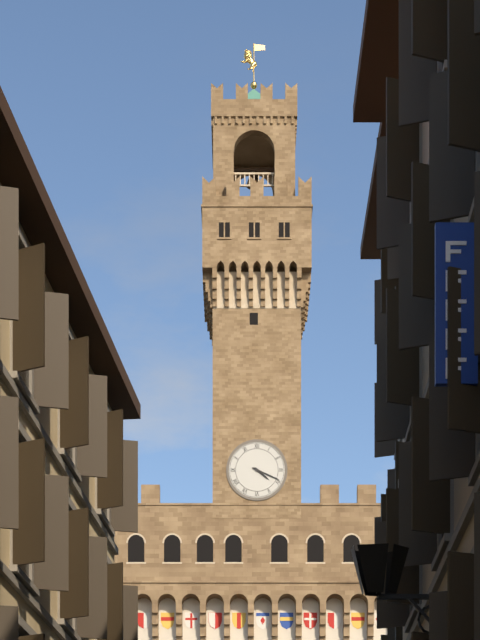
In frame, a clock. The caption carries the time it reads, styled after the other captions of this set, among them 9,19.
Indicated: 4,19
